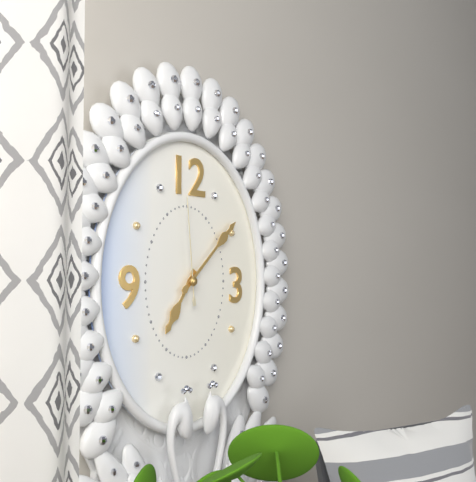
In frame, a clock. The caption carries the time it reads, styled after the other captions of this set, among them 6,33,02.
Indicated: 7,08,59
